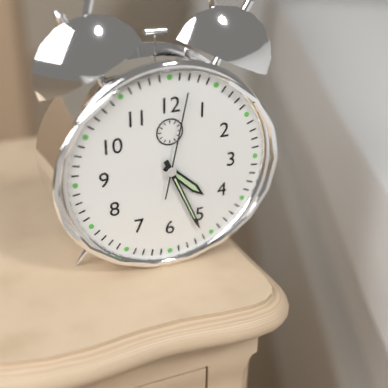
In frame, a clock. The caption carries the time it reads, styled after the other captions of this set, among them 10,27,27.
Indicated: 4,26,02
